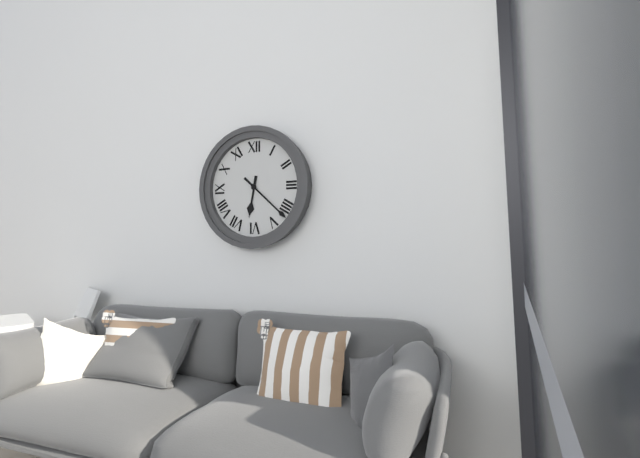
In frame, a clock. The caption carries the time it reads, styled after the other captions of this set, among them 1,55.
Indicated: 6,22
